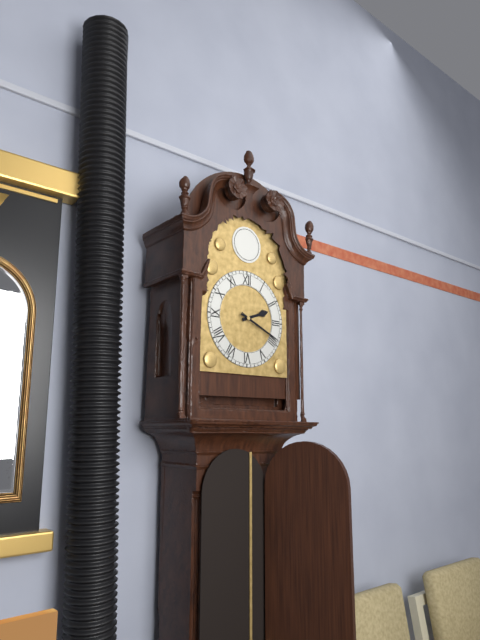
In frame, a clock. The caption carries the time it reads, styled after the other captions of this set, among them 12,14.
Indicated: 2,19
